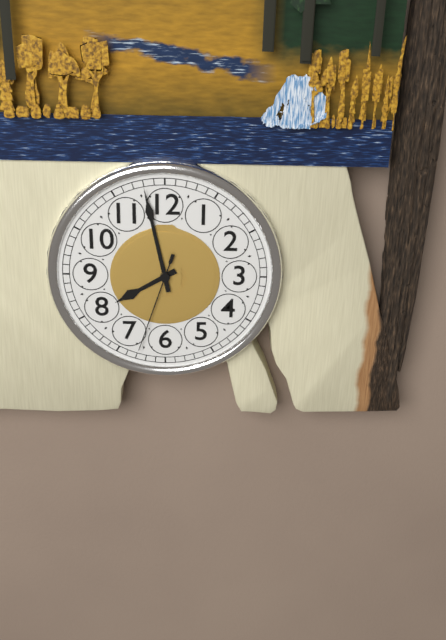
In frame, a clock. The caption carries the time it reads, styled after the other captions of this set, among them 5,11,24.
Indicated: 7,58,33
